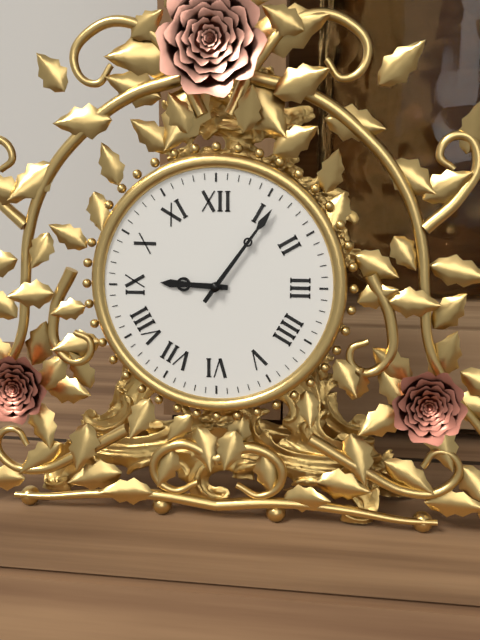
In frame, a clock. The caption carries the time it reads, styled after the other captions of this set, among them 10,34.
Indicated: 9,06
